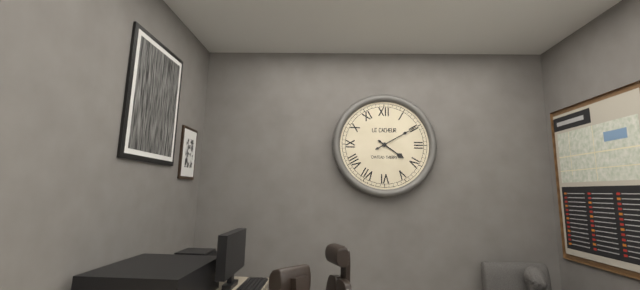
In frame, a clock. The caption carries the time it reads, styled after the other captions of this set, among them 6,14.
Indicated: 4,10
